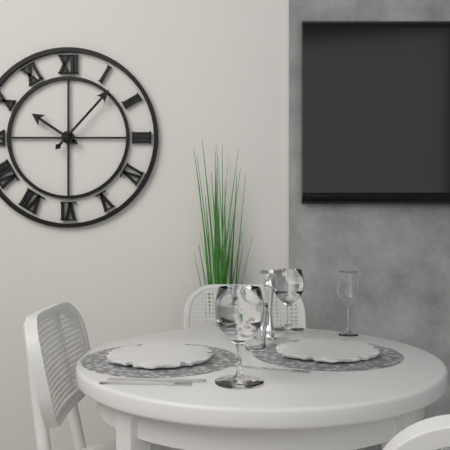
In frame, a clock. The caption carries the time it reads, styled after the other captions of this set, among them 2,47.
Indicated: 10,07
